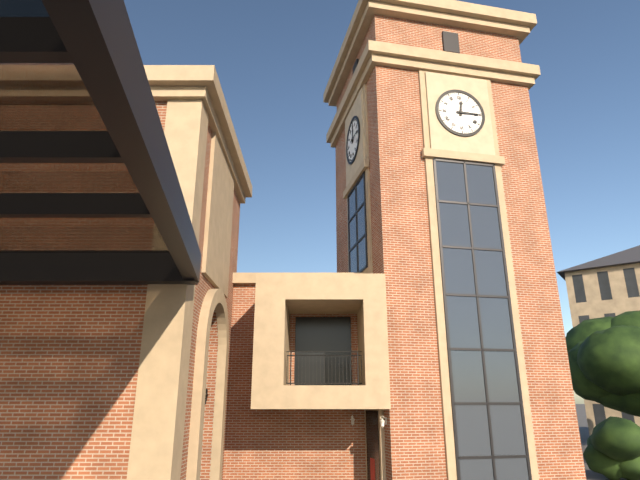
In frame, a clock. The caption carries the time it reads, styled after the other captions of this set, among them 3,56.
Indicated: 12,15
